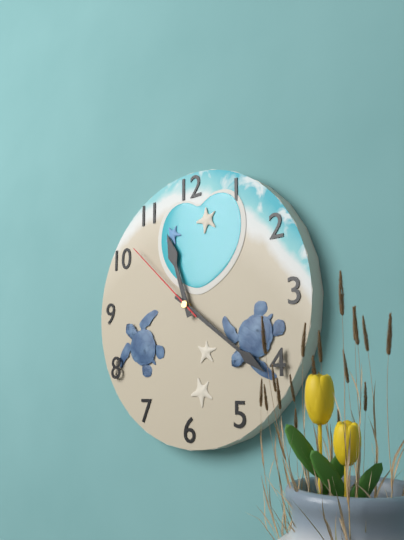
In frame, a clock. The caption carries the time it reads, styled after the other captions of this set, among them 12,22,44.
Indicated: 11,21,52
